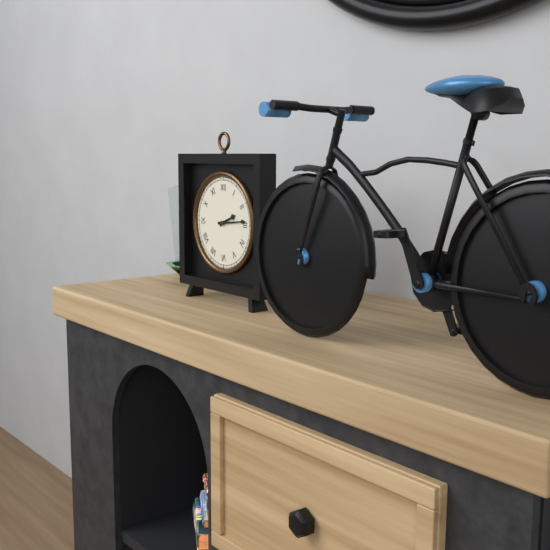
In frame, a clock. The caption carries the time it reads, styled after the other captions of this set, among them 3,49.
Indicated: 2,14
